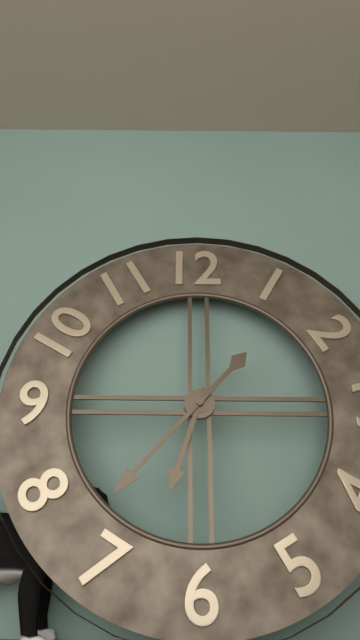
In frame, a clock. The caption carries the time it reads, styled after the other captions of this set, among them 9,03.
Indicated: 6,37
